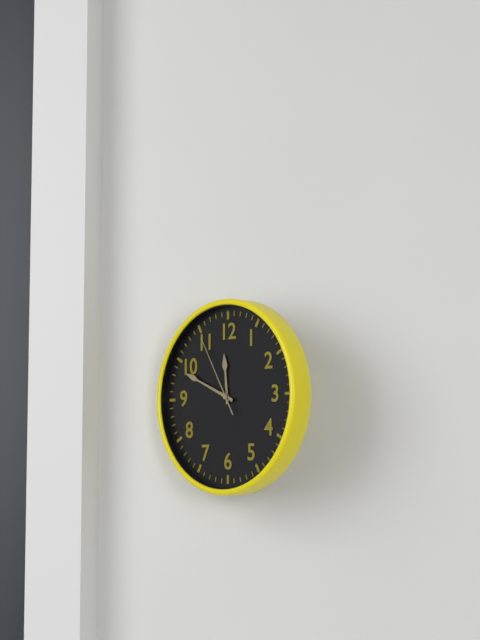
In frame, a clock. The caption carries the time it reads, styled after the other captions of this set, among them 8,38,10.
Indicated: 11,49,55
